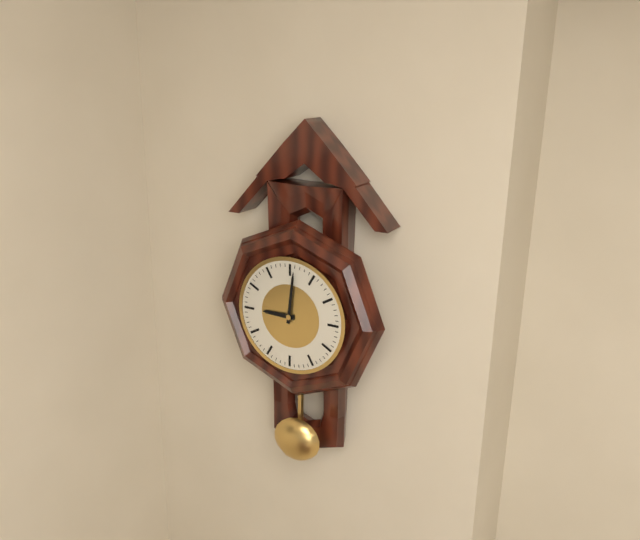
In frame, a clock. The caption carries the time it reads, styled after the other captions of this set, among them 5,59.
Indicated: 9,01
